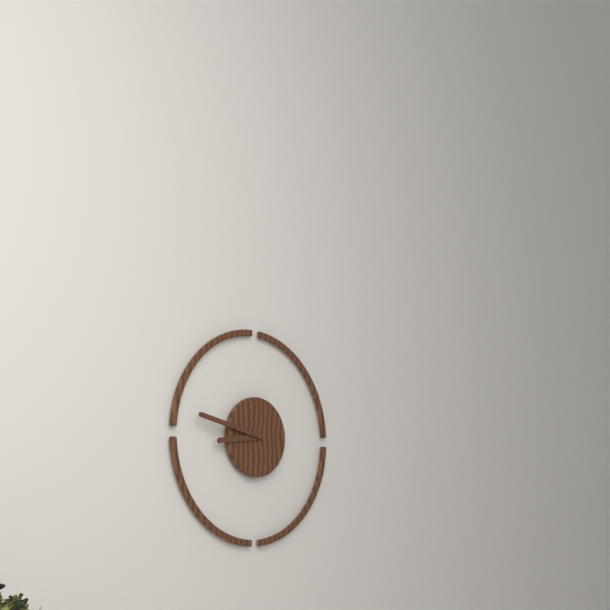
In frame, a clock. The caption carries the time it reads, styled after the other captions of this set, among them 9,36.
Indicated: 8,47
